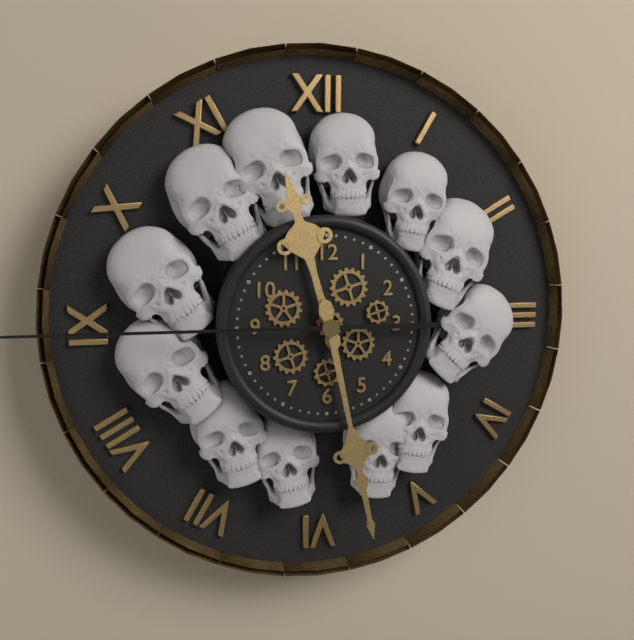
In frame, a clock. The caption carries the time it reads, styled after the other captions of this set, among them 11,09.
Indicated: 11,28
